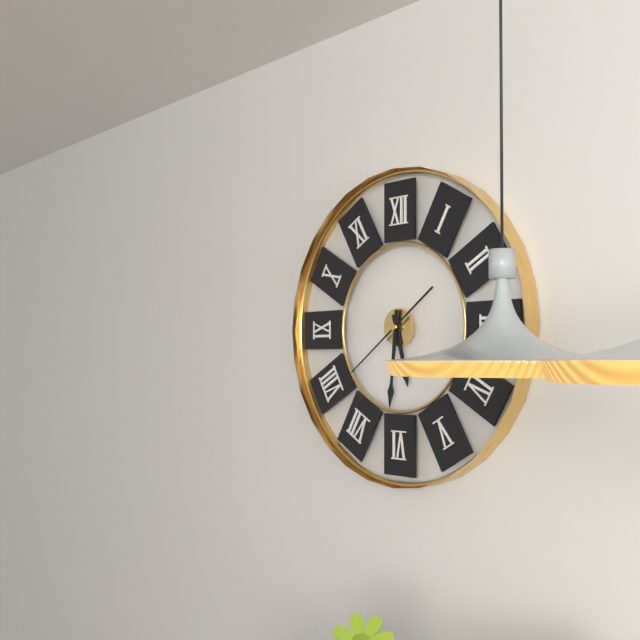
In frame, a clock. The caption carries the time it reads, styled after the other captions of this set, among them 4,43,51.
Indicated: 5,31,39
